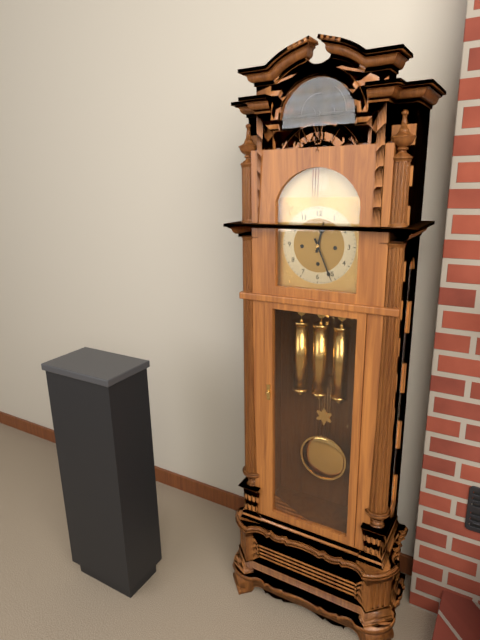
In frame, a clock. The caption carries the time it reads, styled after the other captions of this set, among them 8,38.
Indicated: 12,26
